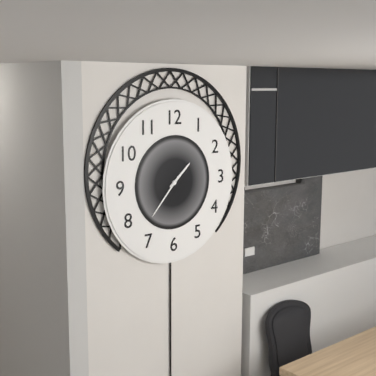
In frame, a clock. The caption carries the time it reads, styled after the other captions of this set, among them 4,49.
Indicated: 1,37
